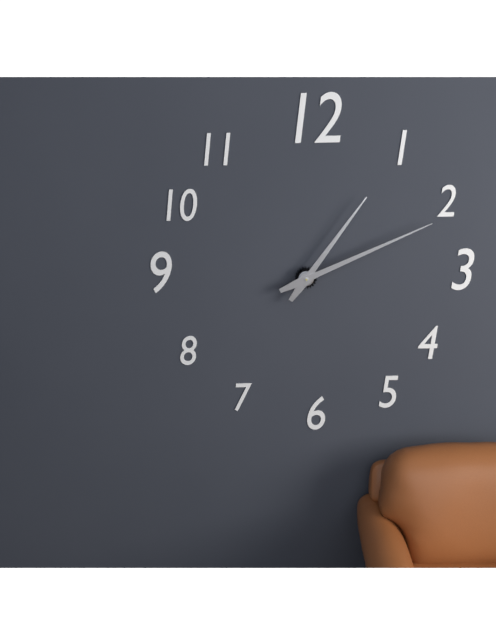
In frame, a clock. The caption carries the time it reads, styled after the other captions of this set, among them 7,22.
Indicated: 1,11
